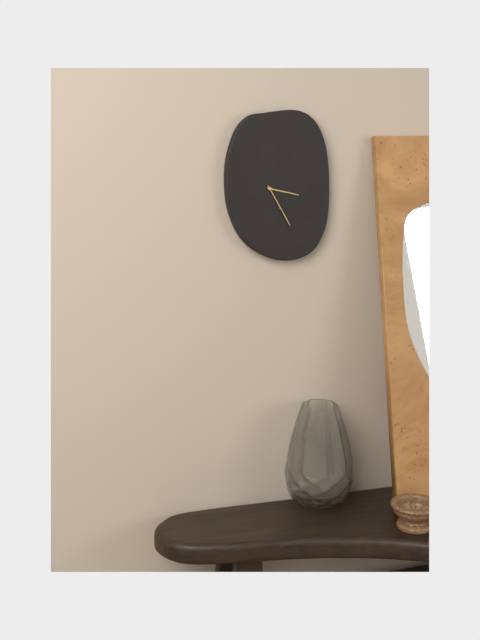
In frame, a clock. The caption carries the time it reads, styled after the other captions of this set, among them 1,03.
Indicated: 3,25
